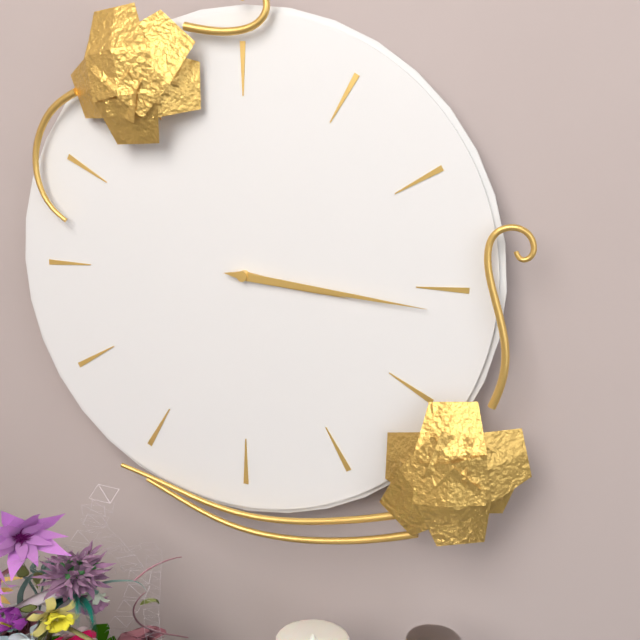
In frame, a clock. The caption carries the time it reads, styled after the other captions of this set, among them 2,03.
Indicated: 3,16
